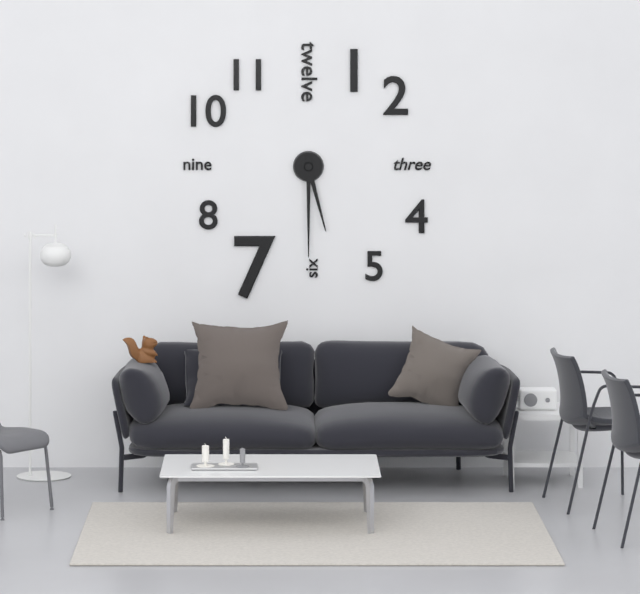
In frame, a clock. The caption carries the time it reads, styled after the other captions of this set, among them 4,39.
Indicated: 5,30
